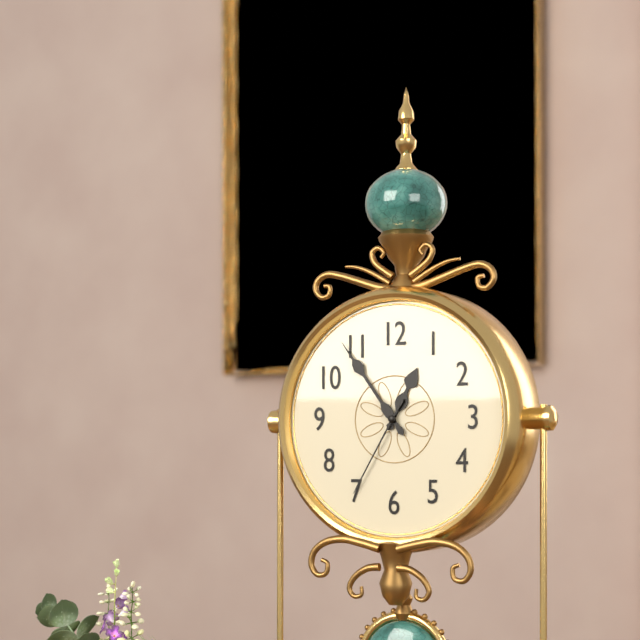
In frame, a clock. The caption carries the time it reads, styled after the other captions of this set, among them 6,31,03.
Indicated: 12,54,35
